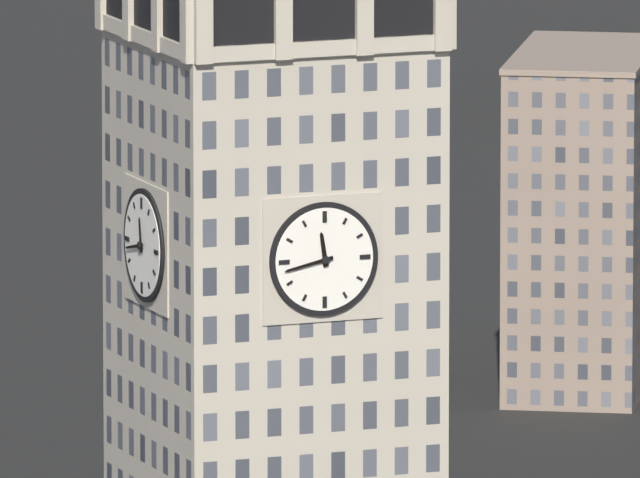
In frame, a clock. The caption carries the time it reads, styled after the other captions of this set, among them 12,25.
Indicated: 11,43
